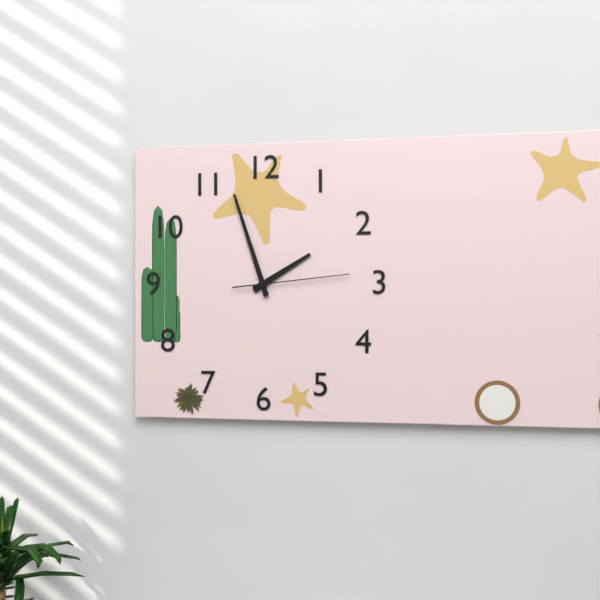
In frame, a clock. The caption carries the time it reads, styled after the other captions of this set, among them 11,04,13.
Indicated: 1,57,14
